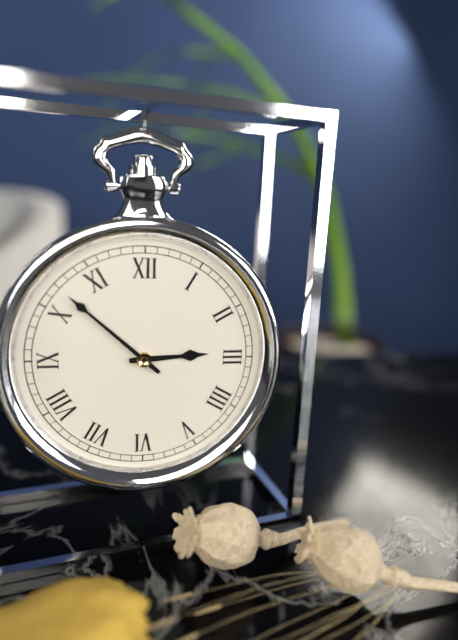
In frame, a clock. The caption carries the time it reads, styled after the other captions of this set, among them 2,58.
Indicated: 2,52
